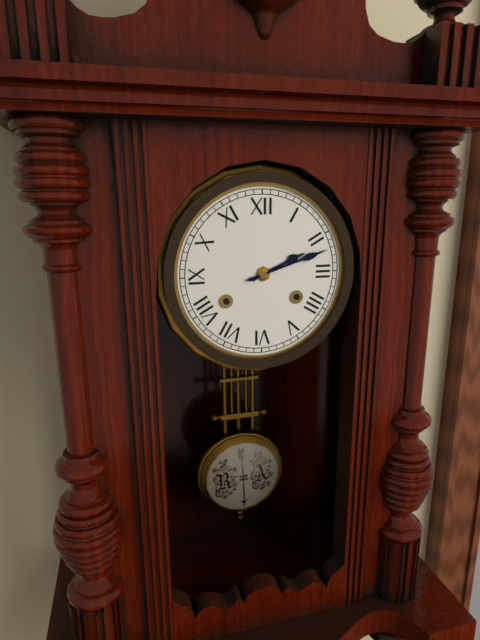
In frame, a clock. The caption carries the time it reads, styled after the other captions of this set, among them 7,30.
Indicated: 2,12
